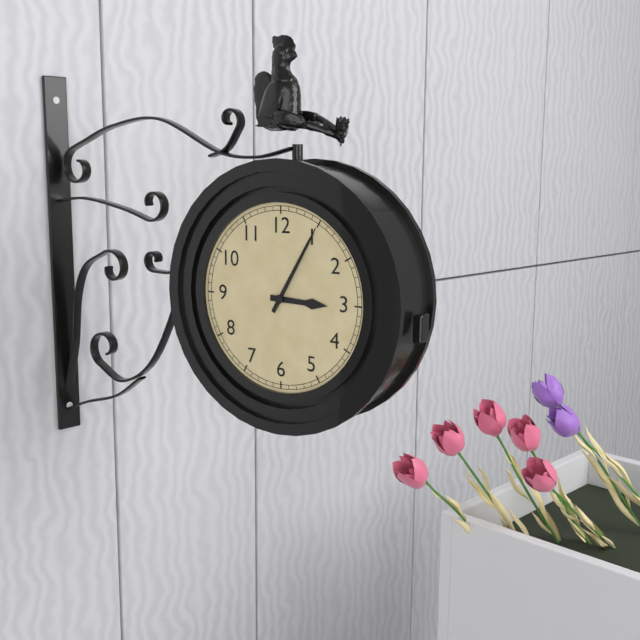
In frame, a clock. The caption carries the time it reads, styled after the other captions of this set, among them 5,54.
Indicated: 3,05
